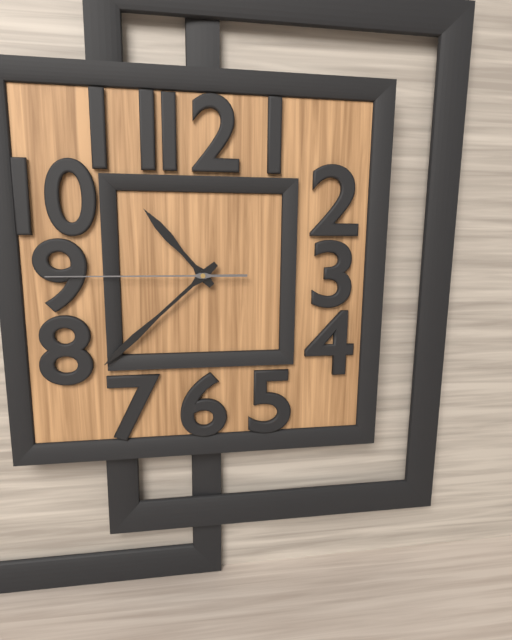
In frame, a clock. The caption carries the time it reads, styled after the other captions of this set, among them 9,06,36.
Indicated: 10,38,45
